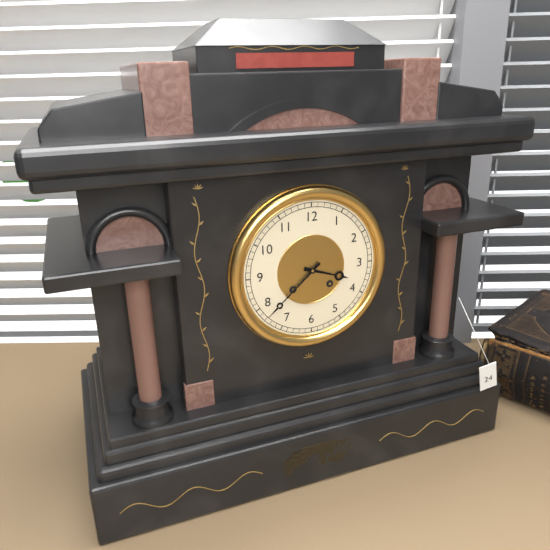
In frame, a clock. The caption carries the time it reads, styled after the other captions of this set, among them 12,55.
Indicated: 3,38
